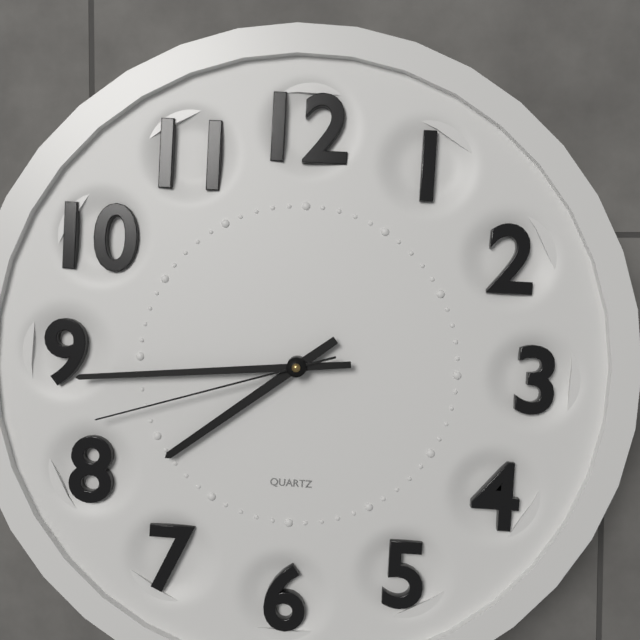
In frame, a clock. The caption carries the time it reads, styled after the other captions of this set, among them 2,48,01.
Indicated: 7,44,42
